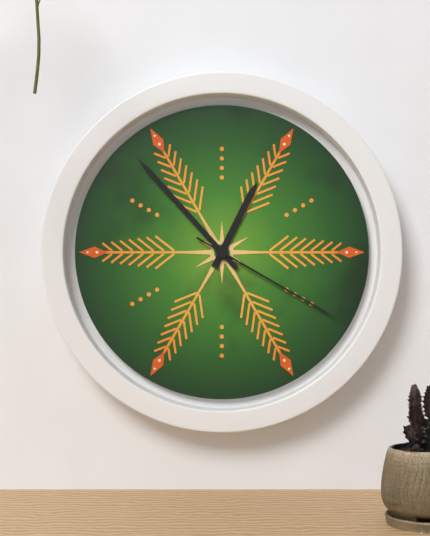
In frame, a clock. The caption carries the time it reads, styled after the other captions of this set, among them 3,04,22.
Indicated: 12,53,20
